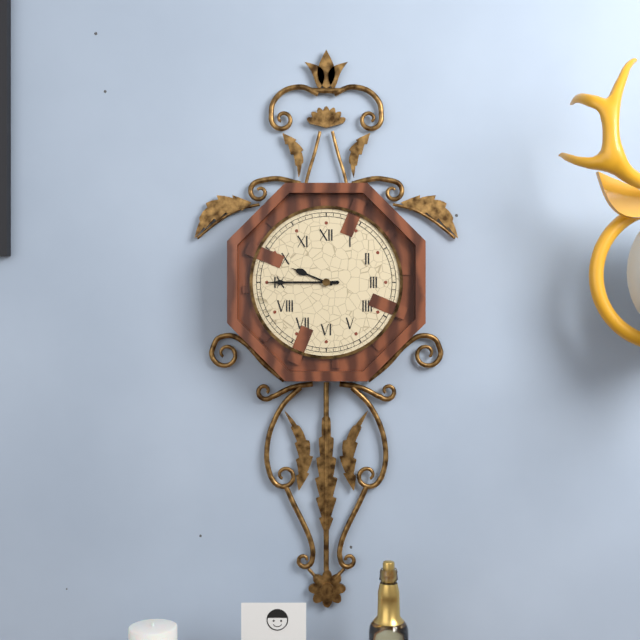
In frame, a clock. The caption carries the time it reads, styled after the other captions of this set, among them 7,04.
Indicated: 9,45
